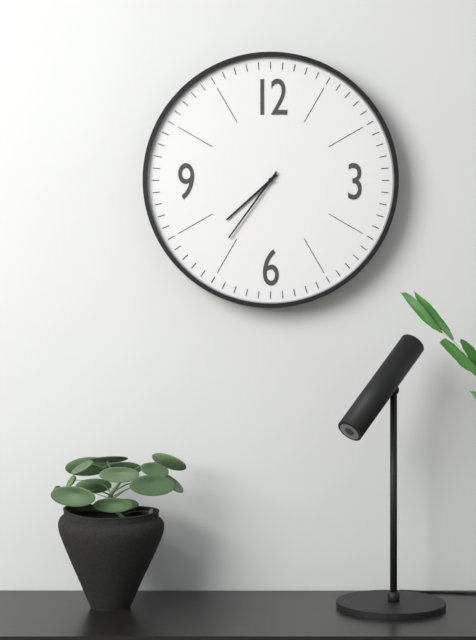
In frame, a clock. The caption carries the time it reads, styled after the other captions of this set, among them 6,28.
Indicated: 7,36
